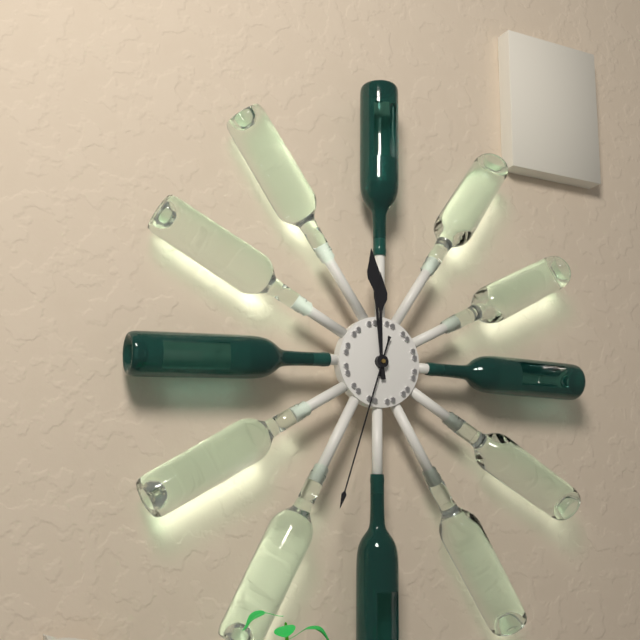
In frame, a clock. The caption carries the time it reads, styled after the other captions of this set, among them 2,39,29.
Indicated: 11,59,33
